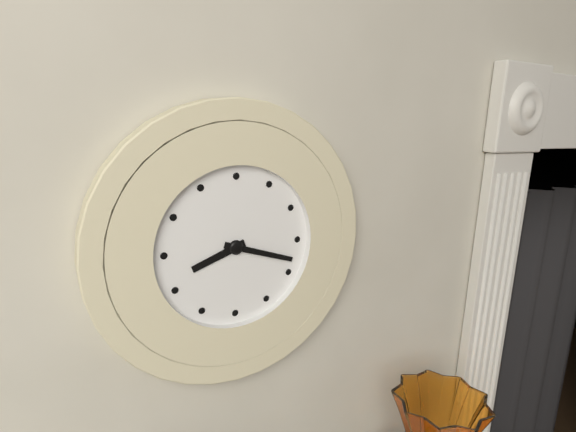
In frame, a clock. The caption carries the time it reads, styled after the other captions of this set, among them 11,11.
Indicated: 8,18
